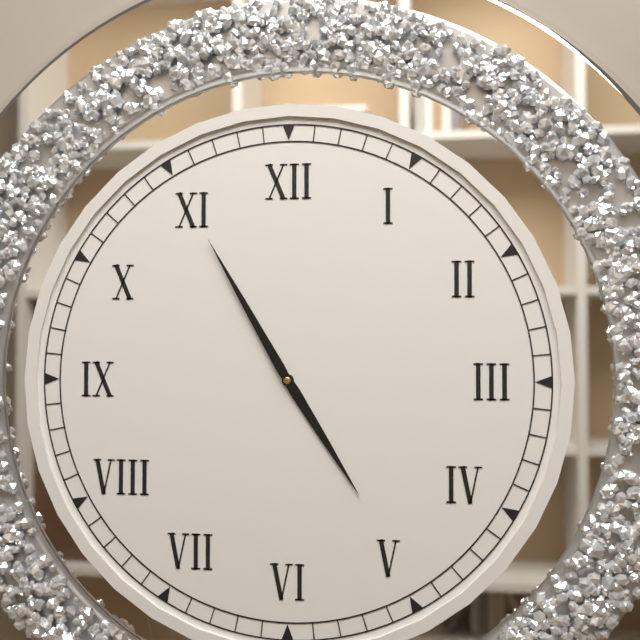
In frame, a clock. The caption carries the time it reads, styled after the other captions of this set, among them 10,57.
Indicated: 4,55
